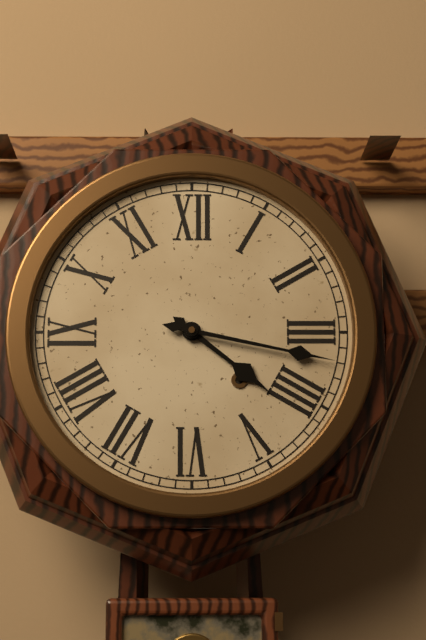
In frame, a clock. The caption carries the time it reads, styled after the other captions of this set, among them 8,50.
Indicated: 4,17
